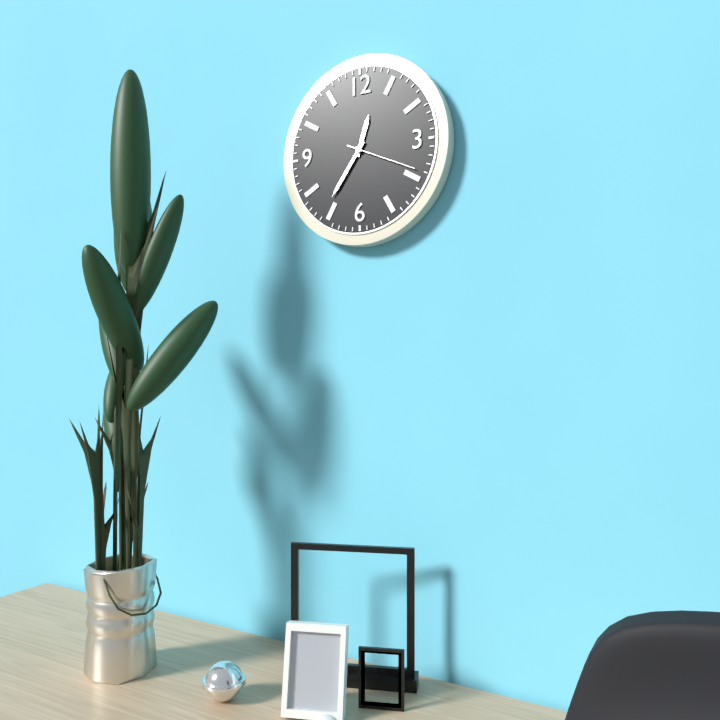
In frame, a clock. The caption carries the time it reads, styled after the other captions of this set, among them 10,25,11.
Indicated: 12,36,19
